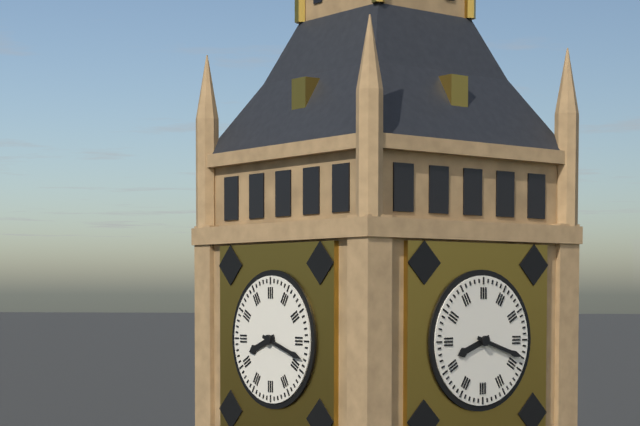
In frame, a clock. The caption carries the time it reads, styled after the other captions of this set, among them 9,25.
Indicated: 8,18
